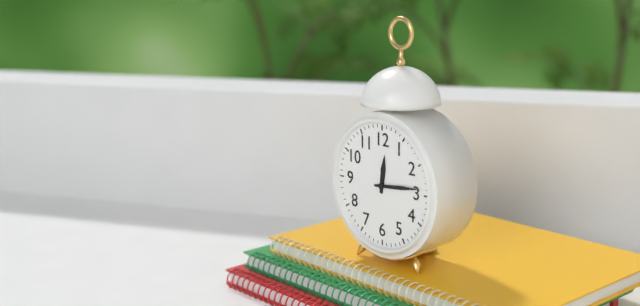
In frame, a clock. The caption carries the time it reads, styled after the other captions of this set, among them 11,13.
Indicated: 12,14
